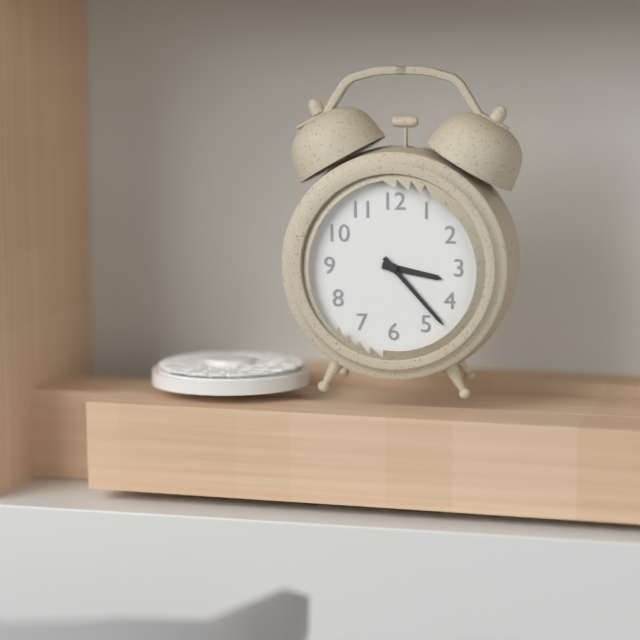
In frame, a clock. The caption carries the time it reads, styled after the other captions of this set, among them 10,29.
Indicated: 3,23
